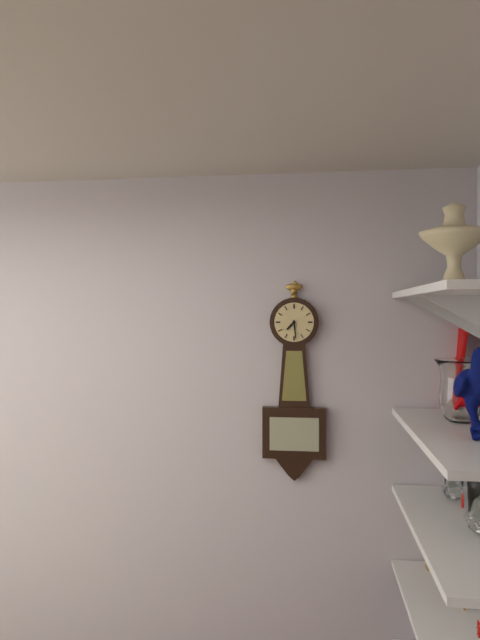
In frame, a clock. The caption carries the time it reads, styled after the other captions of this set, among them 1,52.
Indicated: 7,29
